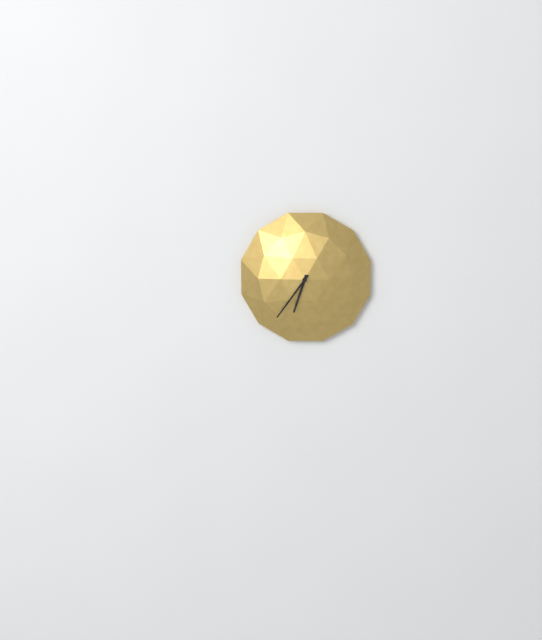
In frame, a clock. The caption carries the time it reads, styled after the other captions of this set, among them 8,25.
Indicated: 6,36
